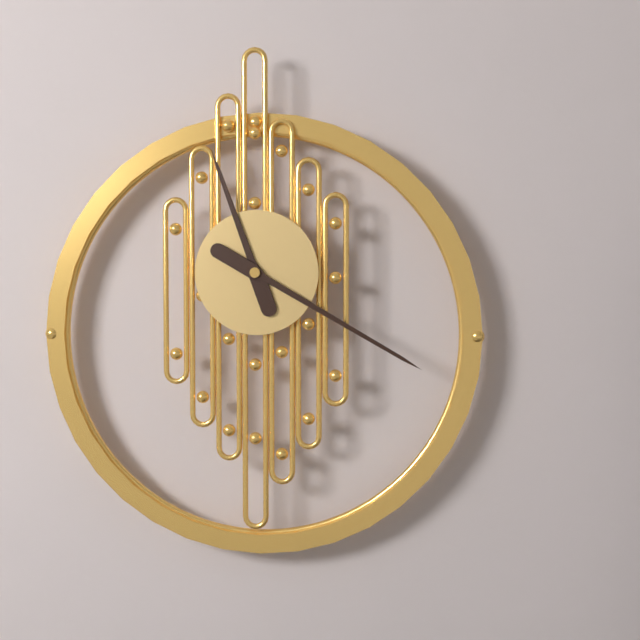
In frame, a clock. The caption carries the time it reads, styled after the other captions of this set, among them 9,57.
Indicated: 11,20
